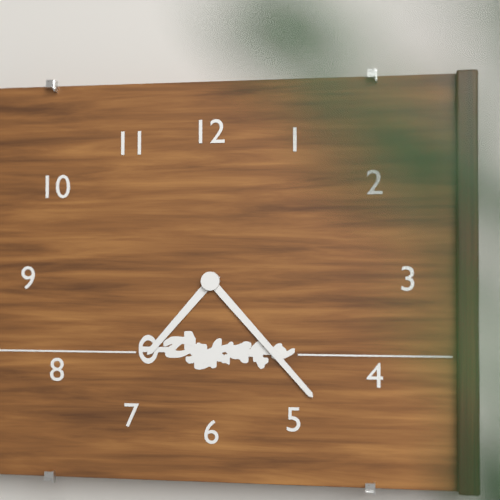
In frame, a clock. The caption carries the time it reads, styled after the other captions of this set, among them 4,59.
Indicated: 7,23
